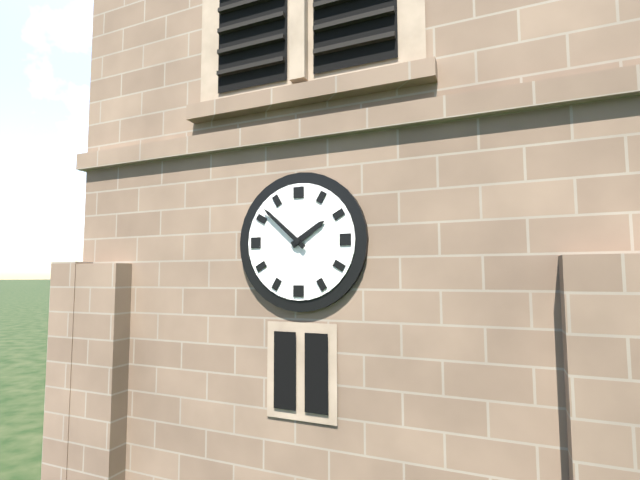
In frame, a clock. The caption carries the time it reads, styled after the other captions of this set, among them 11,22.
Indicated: 1,52
